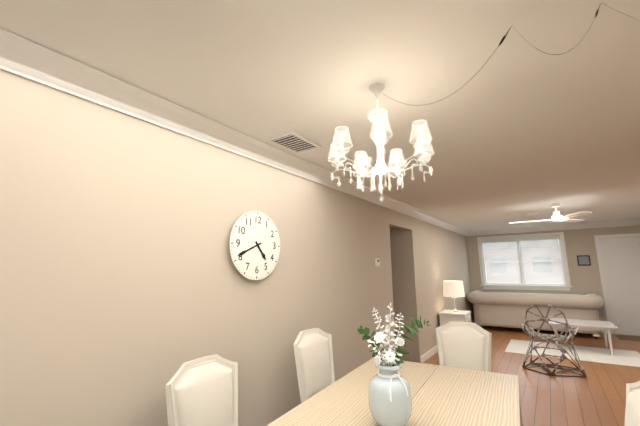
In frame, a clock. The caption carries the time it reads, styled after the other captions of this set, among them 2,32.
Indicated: 4,41
